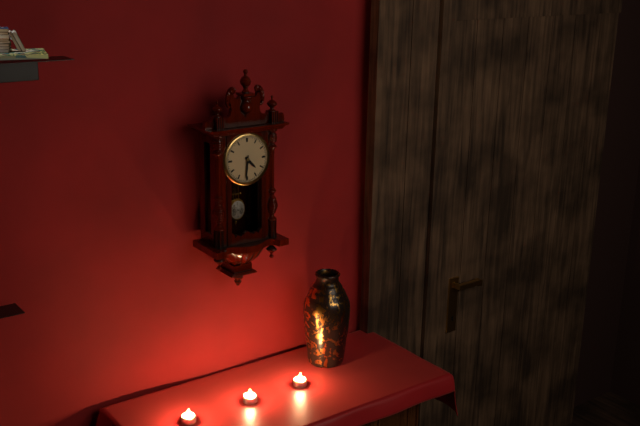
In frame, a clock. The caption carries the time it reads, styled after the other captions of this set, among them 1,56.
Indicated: 4,31
